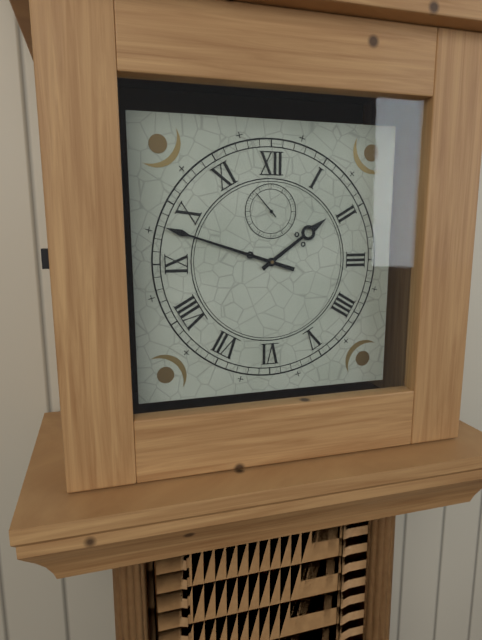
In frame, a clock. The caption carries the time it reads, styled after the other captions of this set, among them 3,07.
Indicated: 1,48
